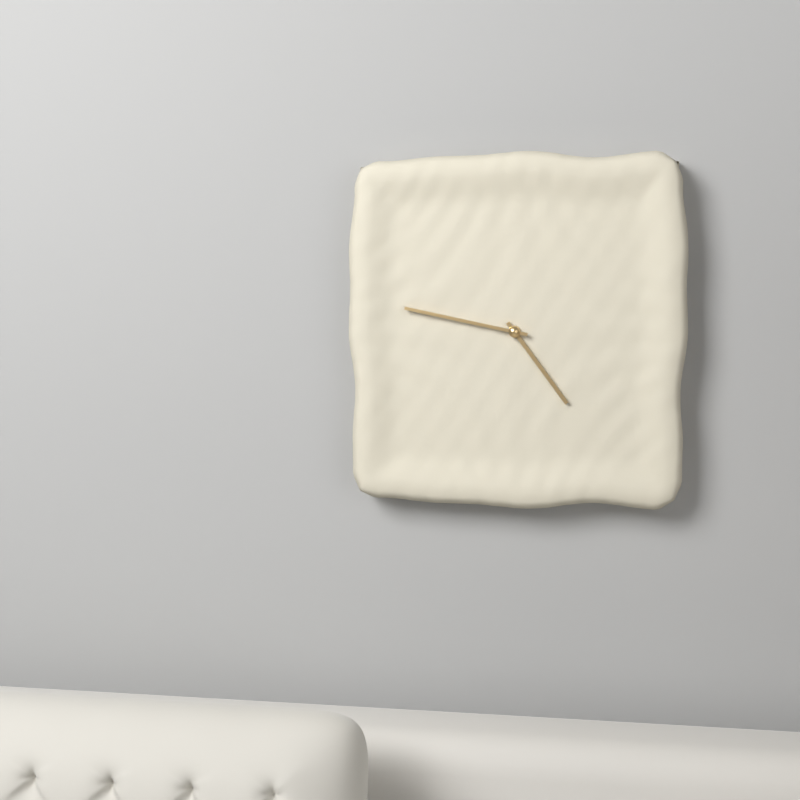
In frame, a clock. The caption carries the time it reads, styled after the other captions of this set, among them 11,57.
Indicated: 4,47
